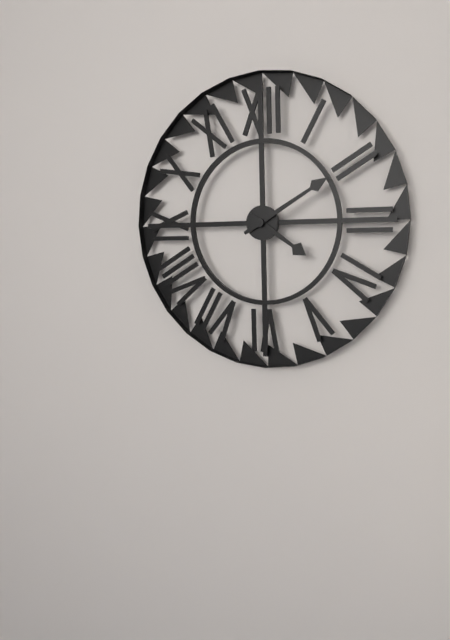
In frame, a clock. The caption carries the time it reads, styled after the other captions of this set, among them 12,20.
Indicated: 4,10
